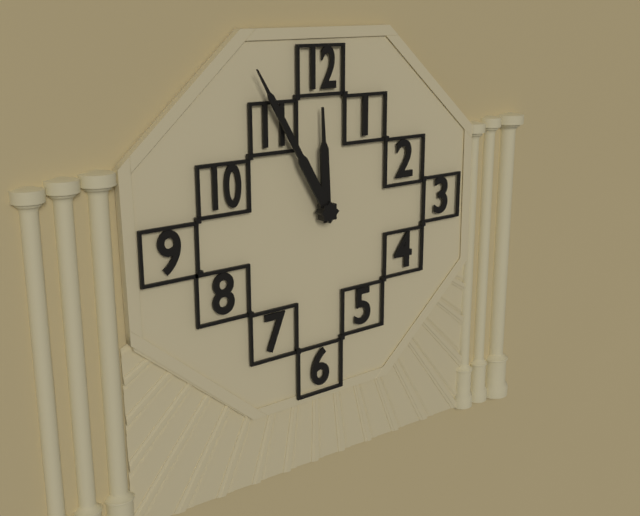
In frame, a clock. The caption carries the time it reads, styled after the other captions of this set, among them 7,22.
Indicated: 11,55
